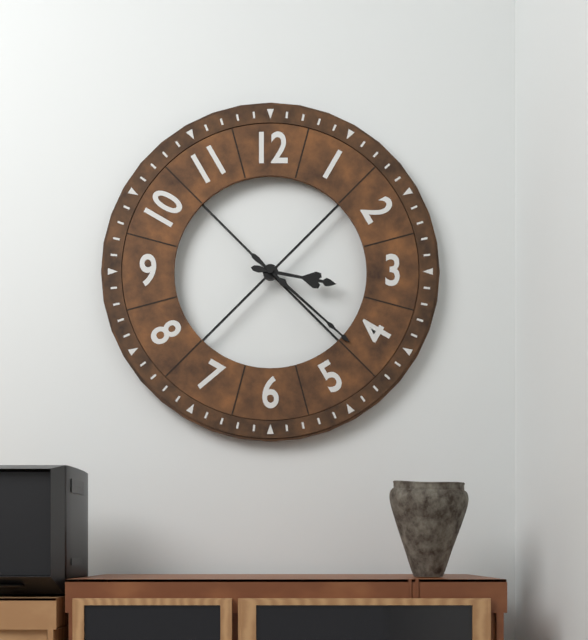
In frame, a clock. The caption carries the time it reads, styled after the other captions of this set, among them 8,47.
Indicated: 3,22
